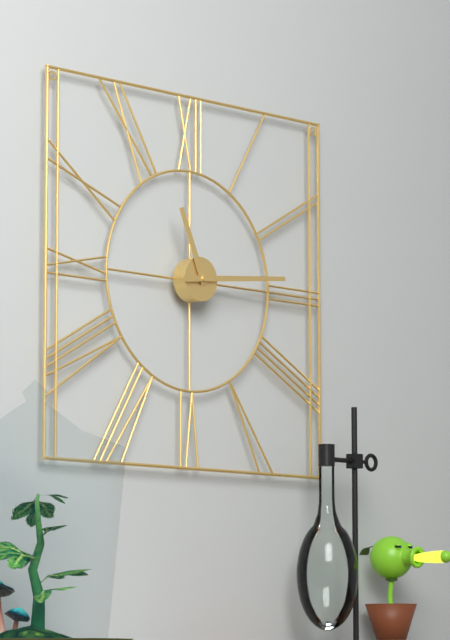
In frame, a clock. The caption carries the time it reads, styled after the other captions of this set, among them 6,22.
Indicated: 11,14
